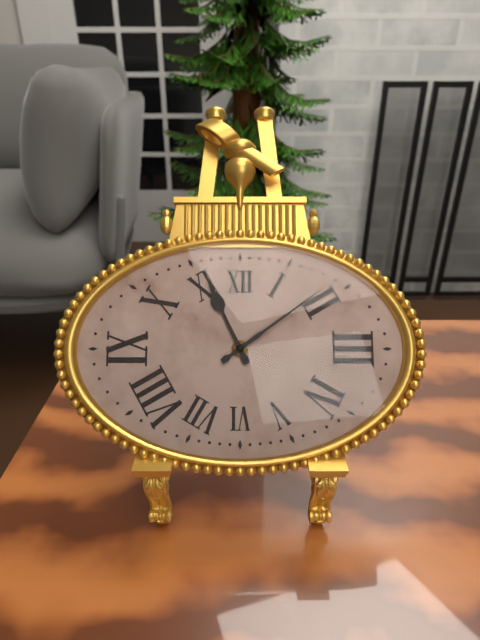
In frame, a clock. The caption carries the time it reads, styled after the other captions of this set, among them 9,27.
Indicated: 11,09
